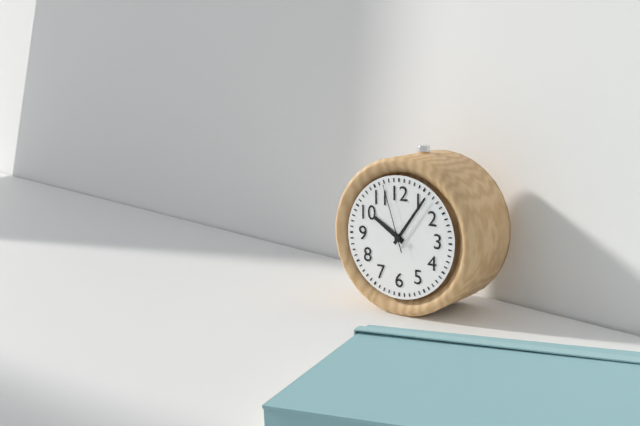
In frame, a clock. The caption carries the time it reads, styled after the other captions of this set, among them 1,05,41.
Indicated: 10,06,57
